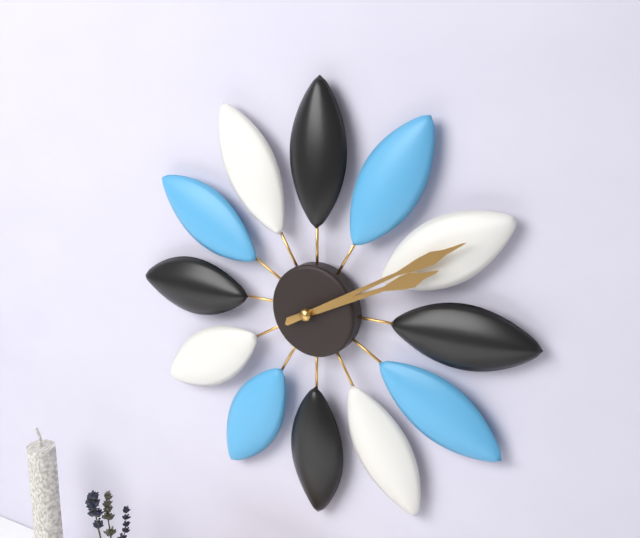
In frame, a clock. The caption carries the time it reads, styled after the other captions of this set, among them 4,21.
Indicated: 2,10
